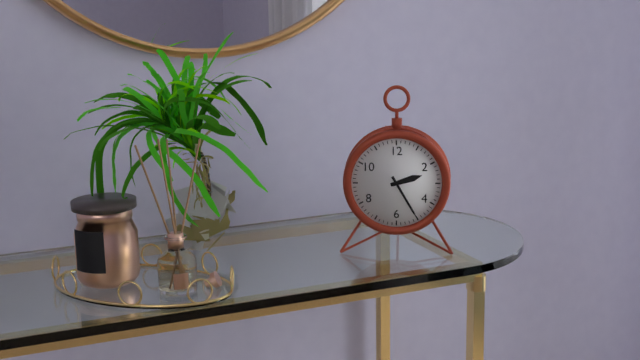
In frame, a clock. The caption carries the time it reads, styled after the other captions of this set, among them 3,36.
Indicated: 2,25
